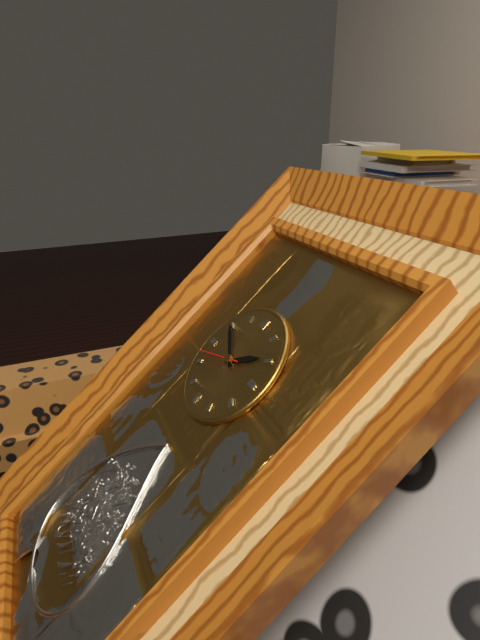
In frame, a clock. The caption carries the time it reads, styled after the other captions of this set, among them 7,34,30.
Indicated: 1,50,42
